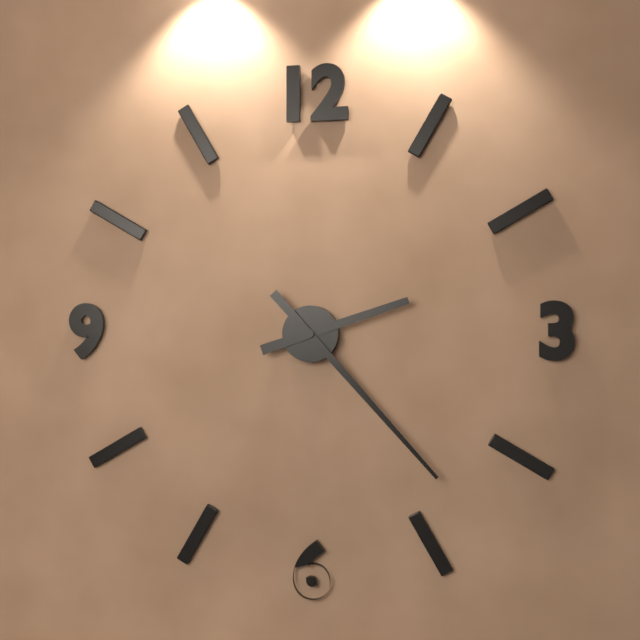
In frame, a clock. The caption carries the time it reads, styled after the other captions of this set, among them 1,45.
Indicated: 2,23
